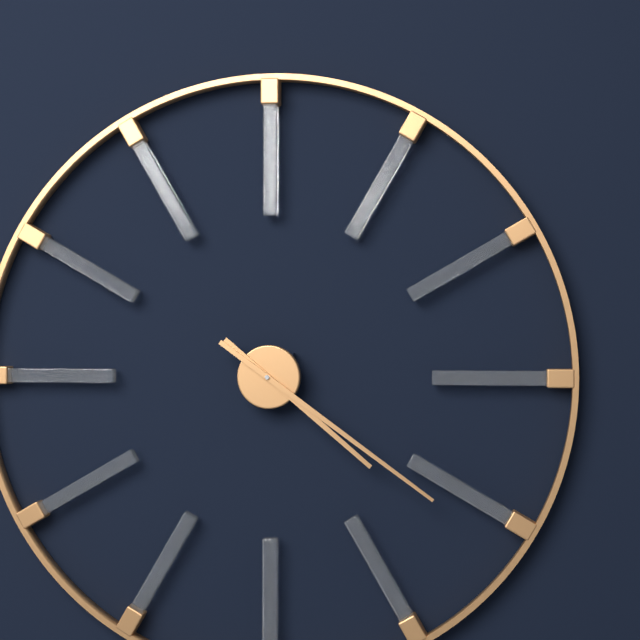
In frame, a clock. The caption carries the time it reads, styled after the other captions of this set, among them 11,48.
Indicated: 4,21
